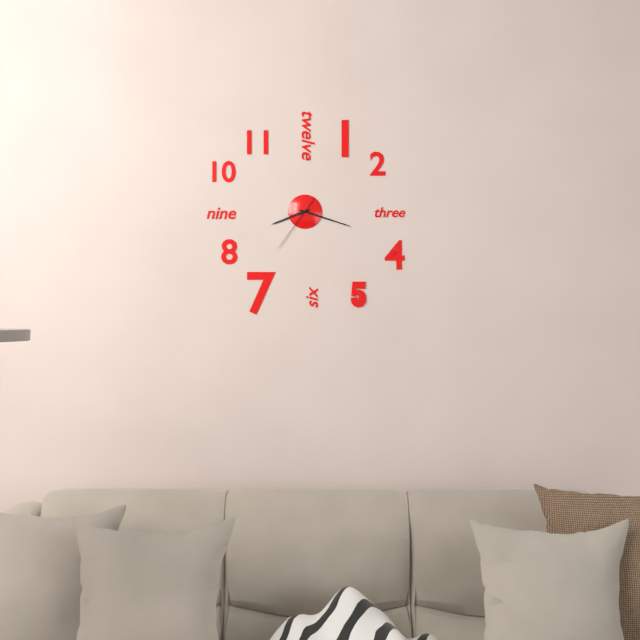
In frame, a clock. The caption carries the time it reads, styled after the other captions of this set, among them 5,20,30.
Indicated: 8,18,36
